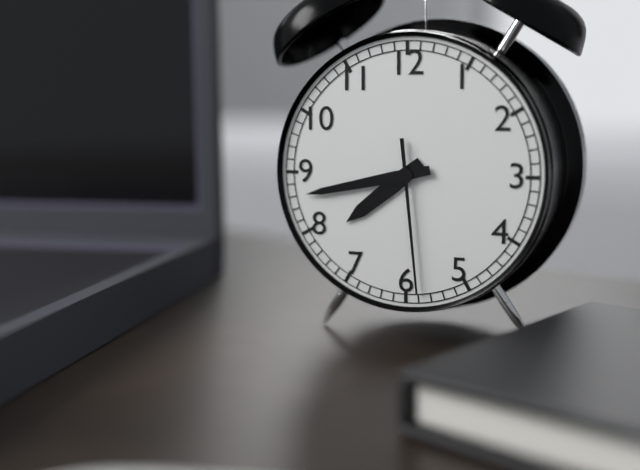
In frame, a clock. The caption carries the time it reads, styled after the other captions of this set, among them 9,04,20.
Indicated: 7,43,29
